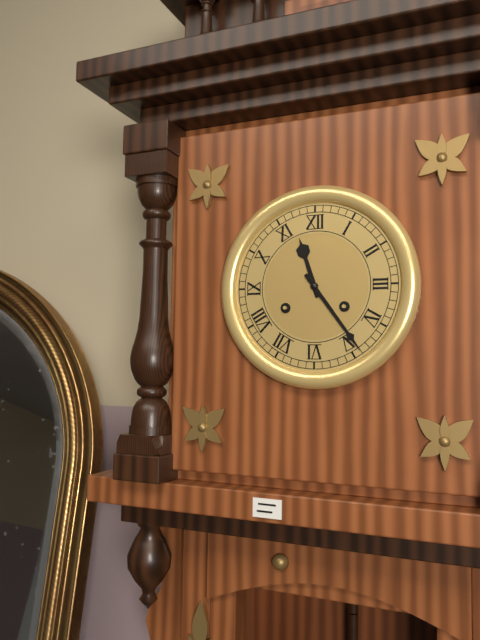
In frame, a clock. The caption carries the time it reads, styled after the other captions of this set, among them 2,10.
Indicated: 11,24
